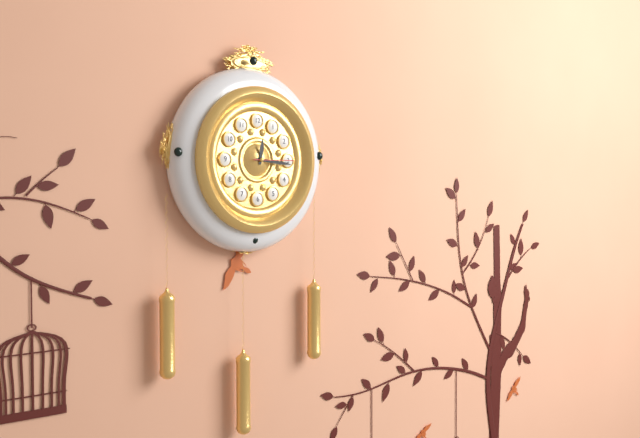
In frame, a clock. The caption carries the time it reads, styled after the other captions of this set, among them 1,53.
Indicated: 12,16
